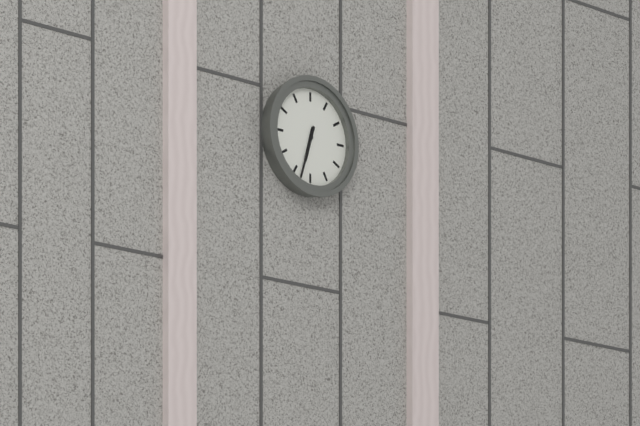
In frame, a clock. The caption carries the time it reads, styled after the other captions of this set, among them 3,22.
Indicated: 6,33
